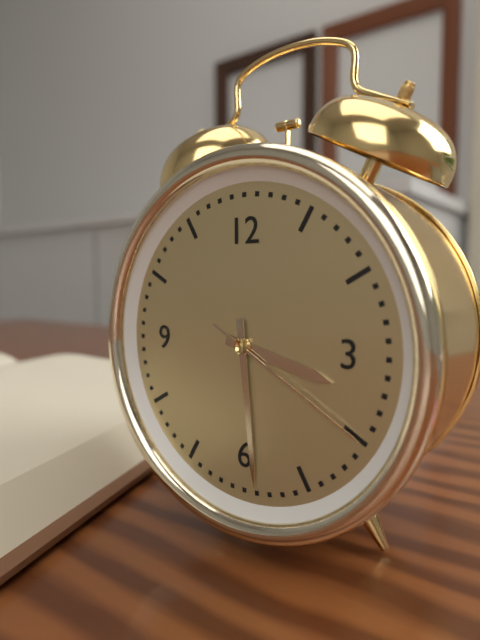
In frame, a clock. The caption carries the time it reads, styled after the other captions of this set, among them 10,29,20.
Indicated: 3,29,20
